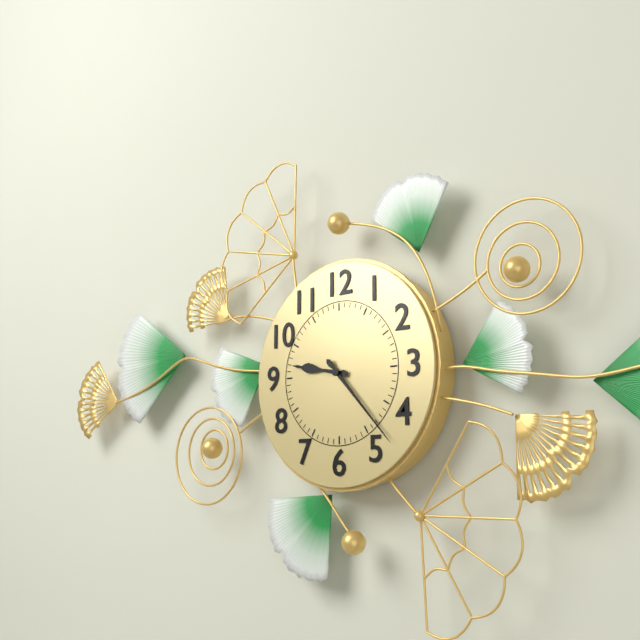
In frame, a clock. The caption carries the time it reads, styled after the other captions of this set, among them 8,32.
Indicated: 9,23
